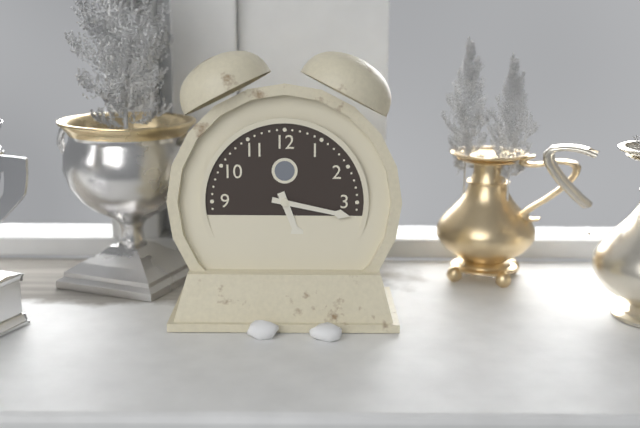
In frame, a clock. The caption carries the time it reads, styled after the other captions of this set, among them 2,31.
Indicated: 5,17
